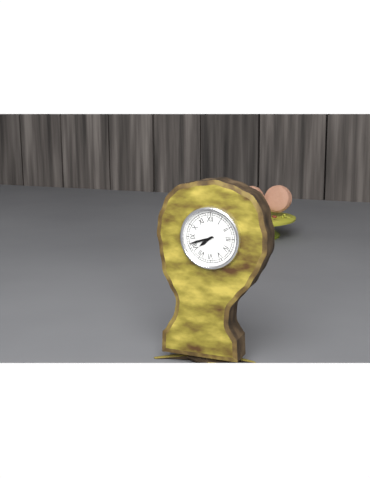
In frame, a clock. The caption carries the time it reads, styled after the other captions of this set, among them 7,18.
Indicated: 7,42
